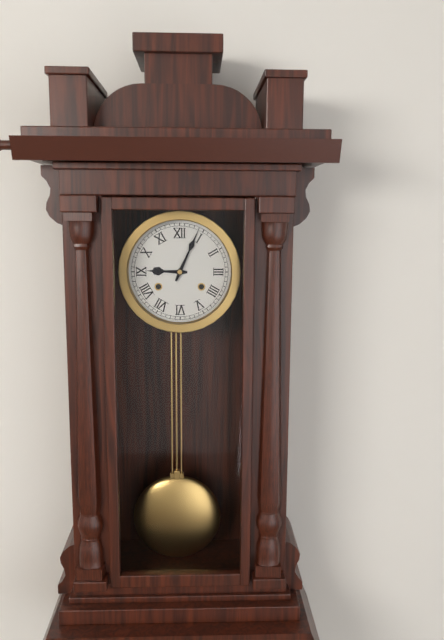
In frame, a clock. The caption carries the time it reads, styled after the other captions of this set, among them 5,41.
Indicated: 9,04
